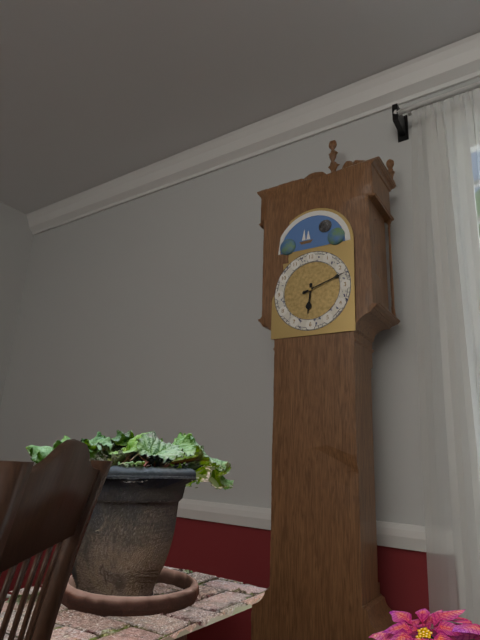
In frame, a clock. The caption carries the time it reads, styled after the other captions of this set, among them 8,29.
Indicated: 6,12
